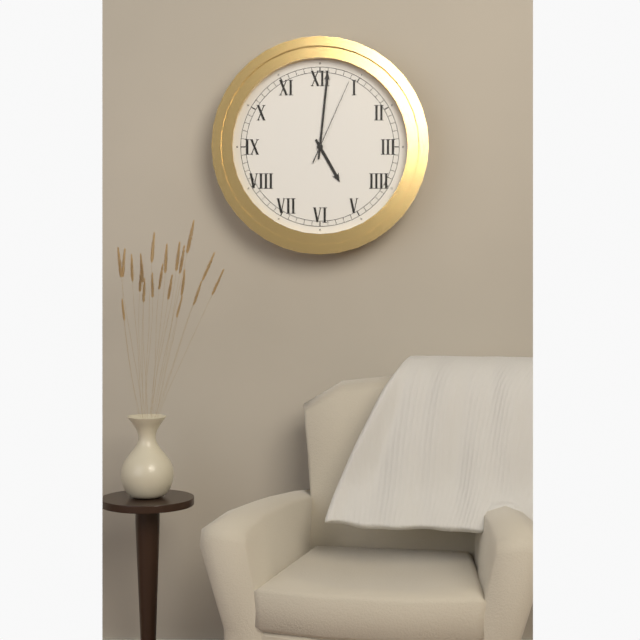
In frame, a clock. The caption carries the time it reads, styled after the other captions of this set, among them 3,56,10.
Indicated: 5,01,04
